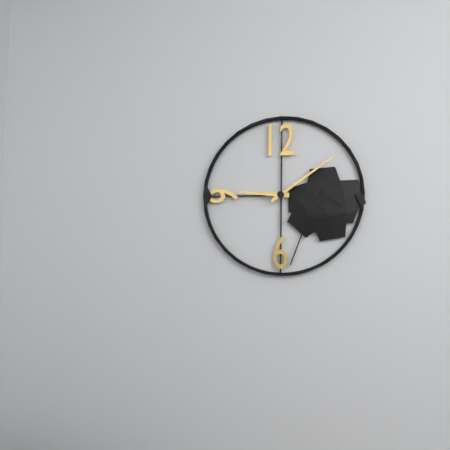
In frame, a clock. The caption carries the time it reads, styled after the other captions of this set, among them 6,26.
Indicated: 9,09
